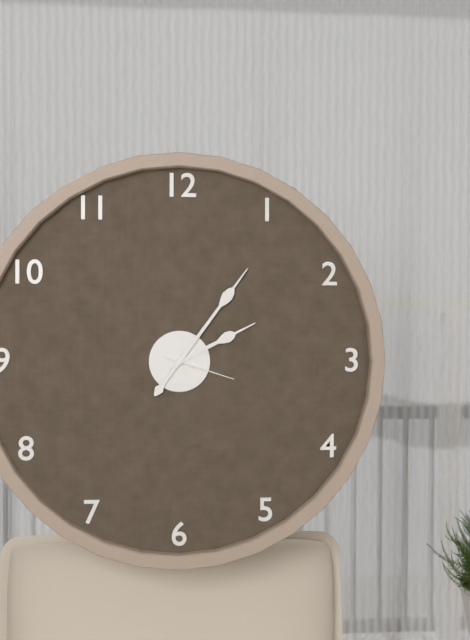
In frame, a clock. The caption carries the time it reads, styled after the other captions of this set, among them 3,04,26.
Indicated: 2,06,18
